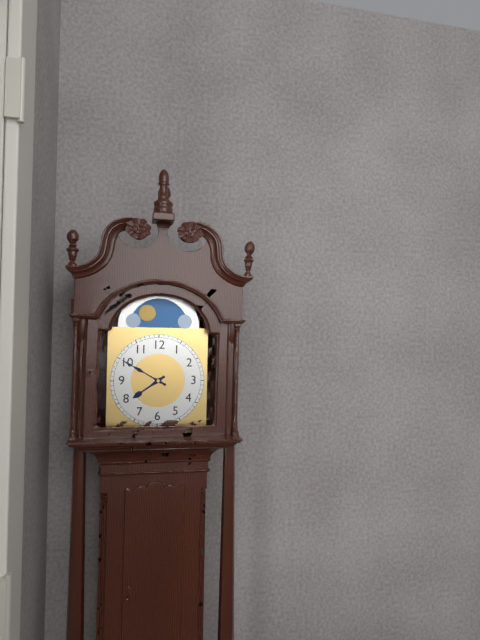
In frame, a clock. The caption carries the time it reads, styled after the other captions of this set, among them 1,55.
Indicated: 7,50
